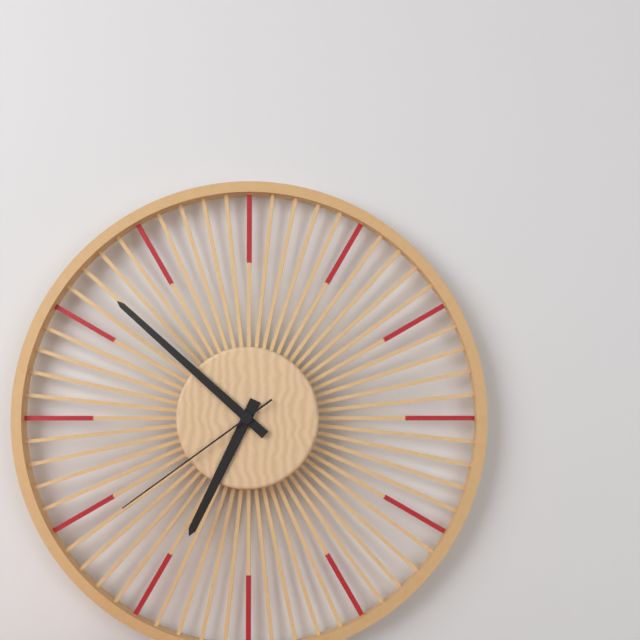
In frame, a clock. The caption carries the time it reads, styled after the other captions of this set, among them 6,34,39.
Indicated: 6,52,39
